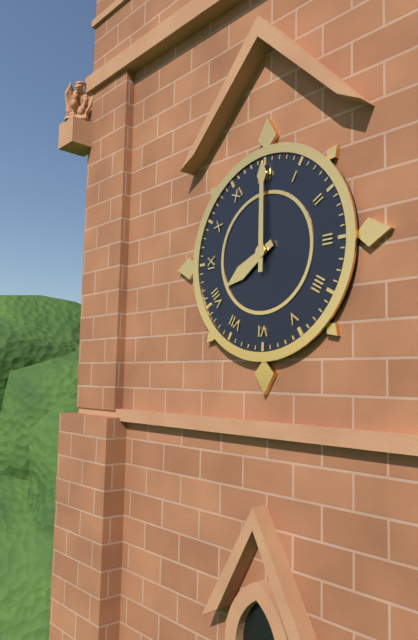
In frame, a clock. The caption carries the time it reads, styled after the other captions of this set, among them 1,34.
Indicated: 8,00
